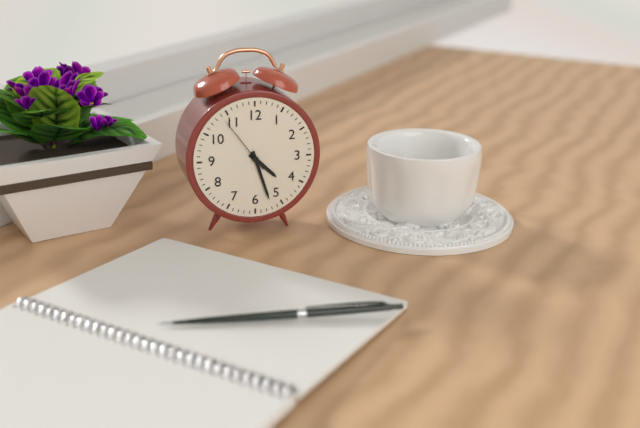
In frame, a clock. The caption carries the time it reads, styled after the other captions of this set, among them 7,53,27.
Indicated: 4,27,54
